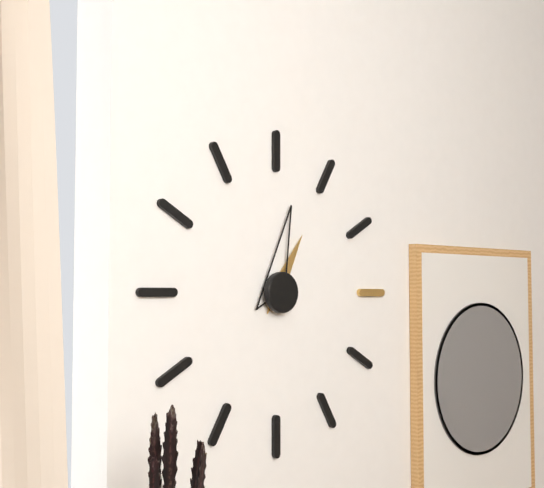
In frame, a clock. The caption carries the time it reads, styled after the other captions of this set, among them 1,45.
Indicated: 1,02
